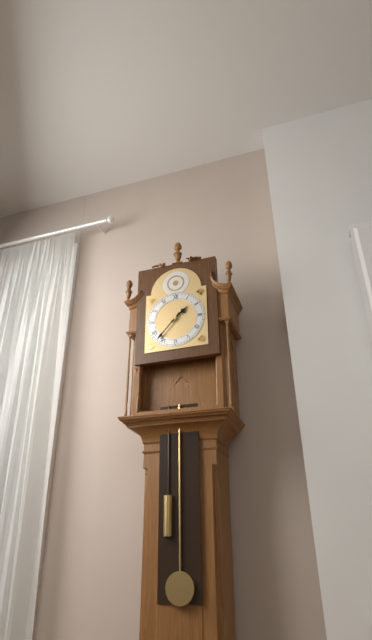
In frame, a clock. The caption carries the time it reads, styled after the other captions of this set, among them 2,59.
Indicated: 1,37
